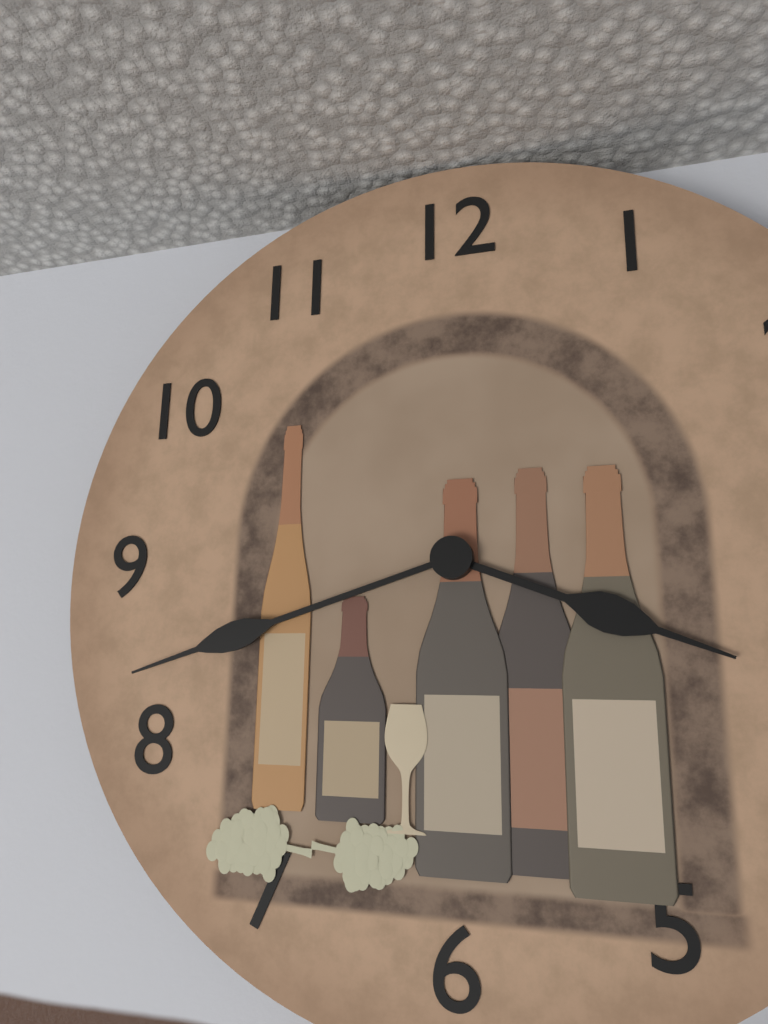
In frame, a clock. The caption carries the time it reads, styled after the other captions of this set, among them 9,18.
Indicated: 3,42
